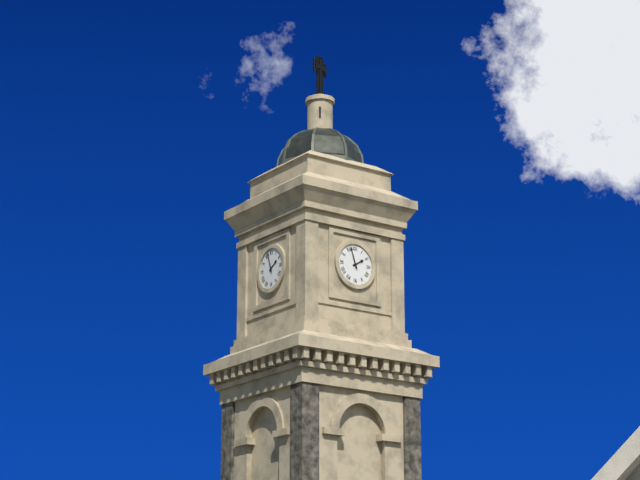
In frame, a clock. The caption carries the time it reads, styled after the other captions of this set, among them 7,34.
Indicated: 1,57
